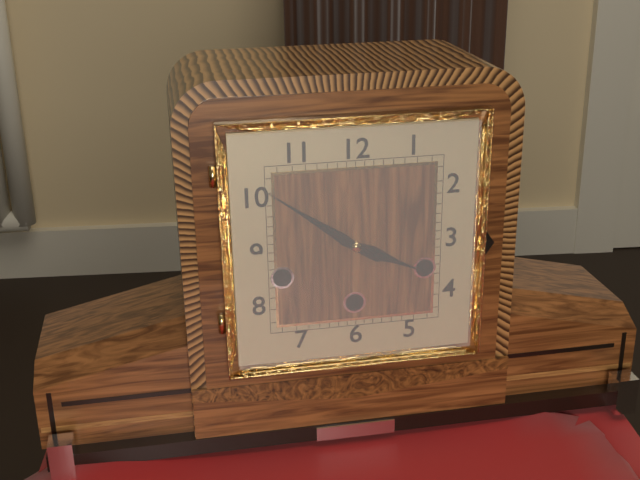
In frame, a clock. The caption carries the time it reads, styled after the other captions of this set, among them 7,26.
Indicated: 3,51
